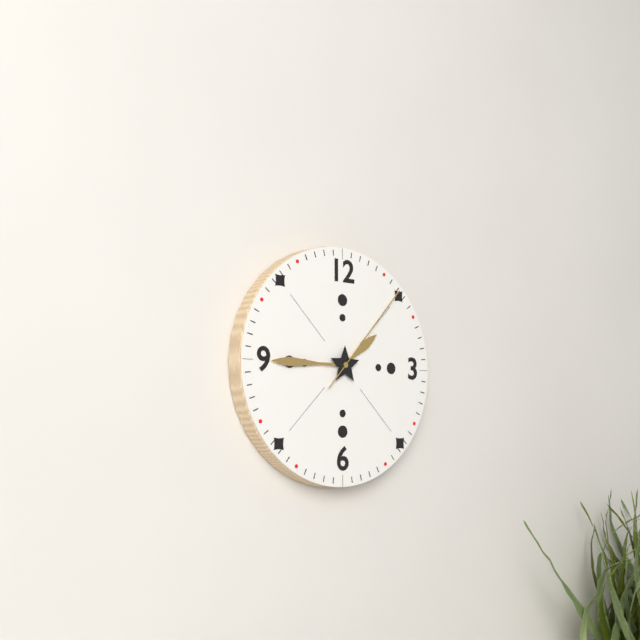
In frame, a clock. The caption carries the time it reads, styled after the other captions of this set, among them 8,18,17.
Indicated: 1,45,07
